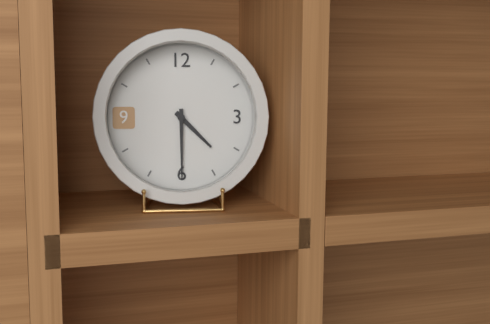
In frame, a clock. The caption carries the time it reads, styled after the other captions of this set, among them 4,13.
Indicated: 4,30
